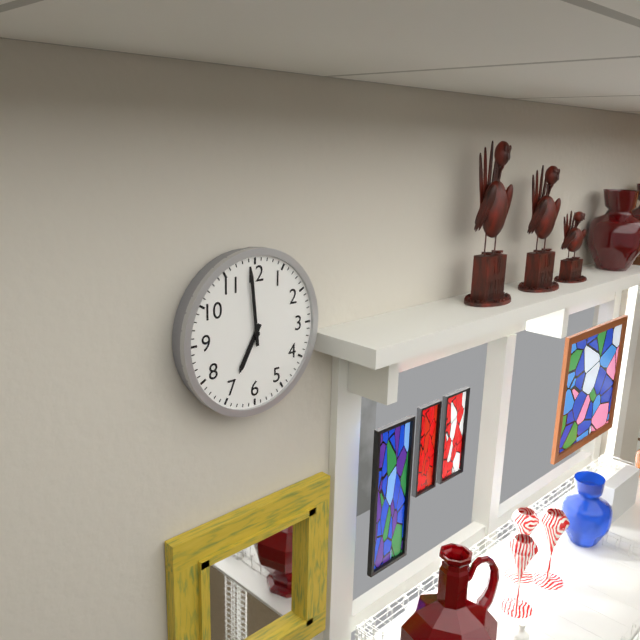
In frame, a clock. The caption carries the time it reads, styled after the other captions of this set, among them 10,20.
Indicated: 6,59
